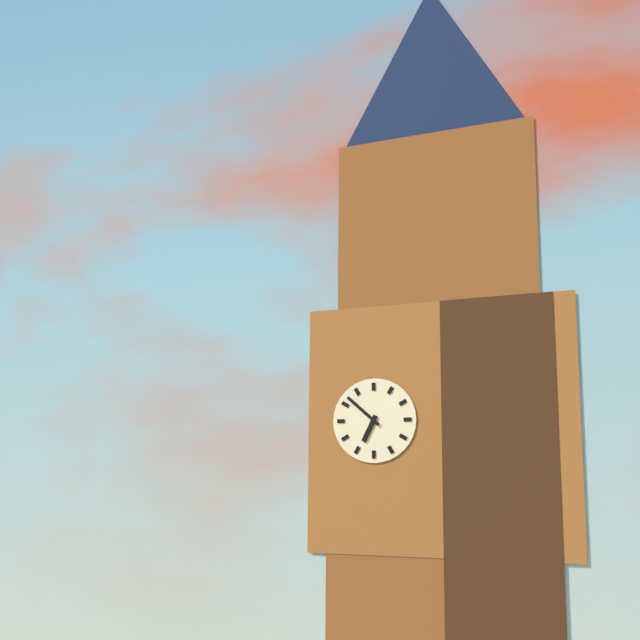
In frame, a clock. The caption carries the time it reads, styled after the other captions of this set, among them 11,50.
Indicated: 6,52
